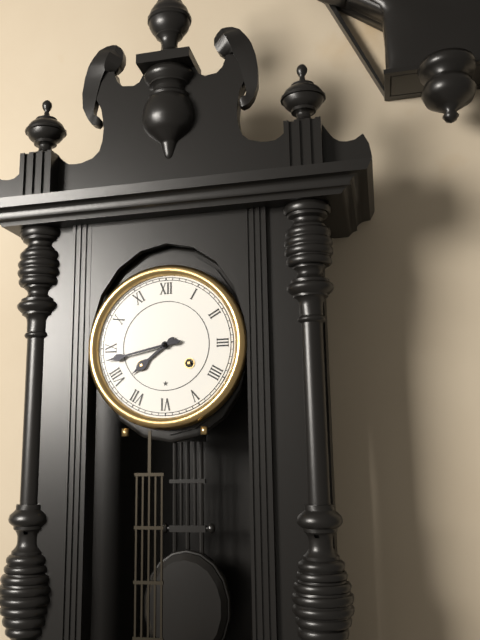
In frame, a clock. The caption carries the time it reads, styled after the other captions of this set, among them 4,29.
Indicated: 7,43
